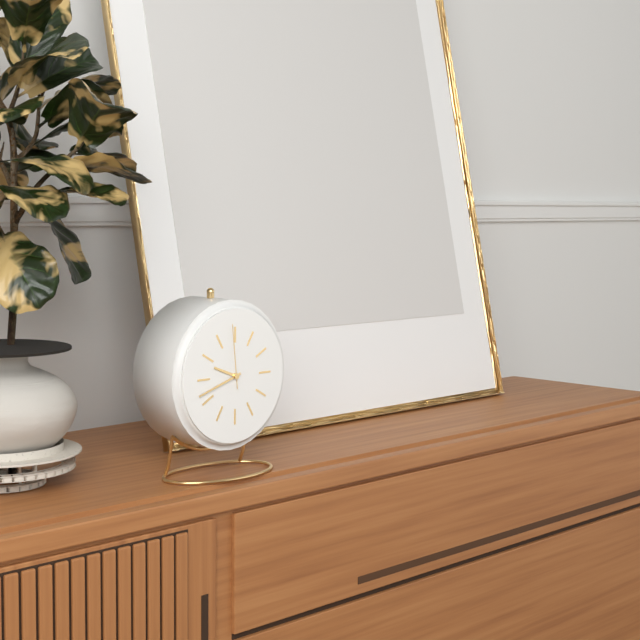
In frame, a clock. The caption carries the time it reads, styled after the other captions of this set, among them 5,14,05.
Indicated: 9,42,59
